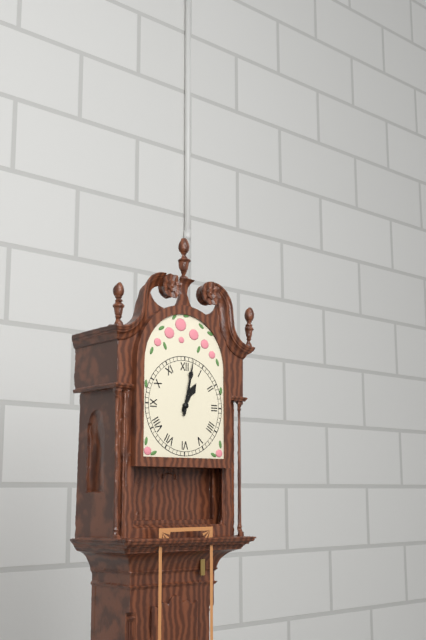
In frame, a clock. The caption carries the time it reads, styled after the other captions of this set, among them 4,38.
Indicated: 1,02
